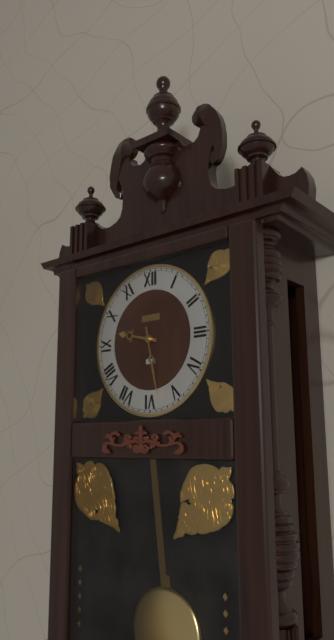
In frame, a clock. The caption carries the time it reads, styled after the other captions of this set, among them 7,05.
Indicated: 9,28
